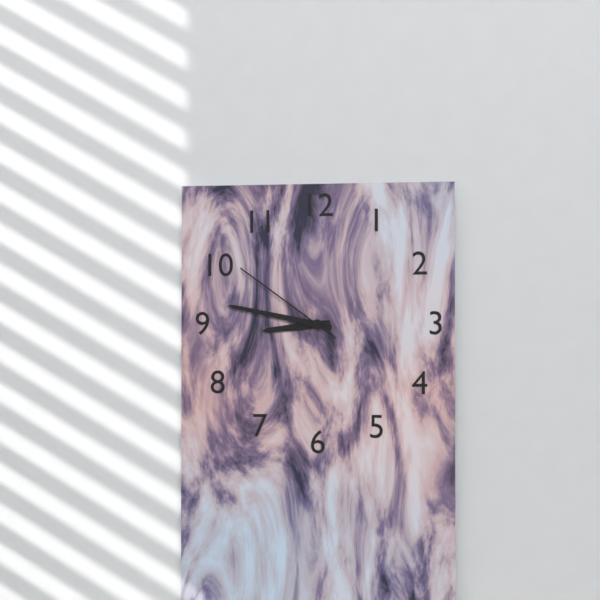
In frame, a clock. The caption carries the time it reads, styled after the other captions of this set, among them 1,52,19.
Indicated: 8,47,51
